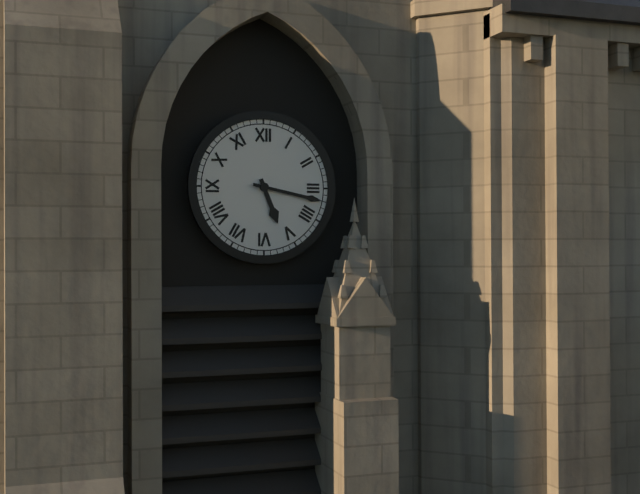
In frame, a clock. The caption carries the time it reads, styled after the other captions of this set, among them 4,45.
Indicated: 5,17
